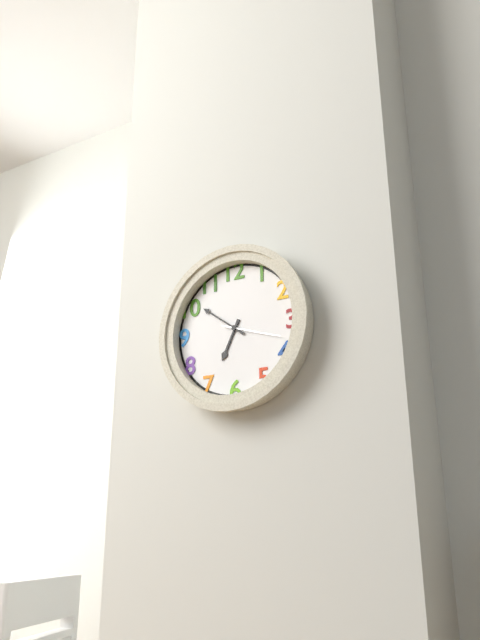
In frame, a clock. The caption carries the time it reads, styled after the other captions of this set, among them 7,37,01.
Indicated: 6,51,18
